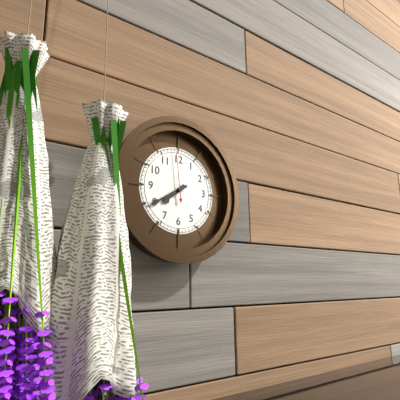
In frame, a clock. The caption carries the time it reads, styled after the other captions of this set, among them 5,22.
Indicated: 7,40
